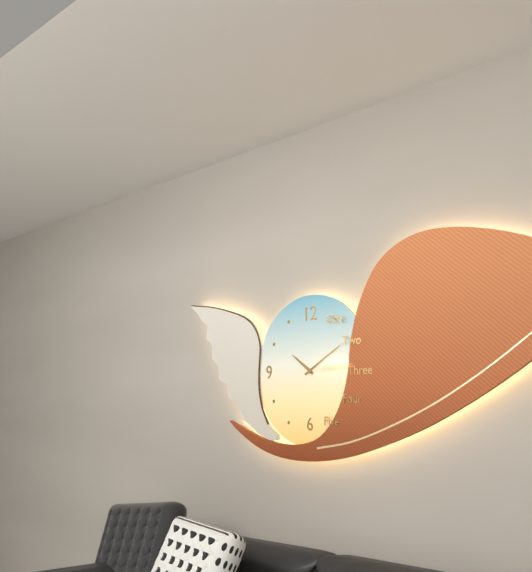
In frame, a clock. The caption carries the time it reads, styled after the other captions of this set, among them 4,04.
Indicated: 10,10
